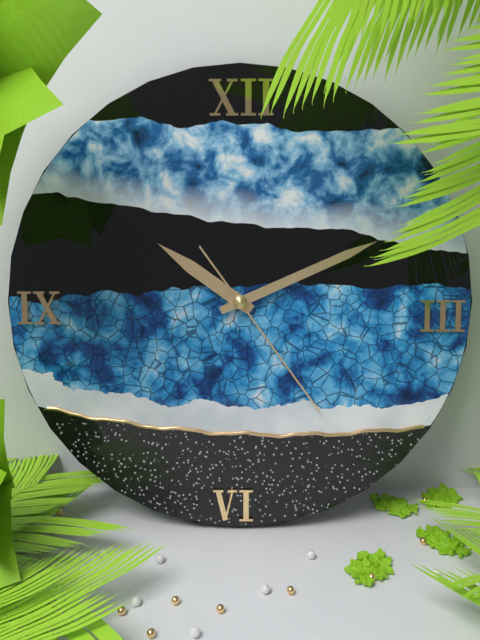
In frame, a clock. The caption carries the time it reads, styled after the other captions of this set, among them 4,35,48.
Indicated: 10,11,24
